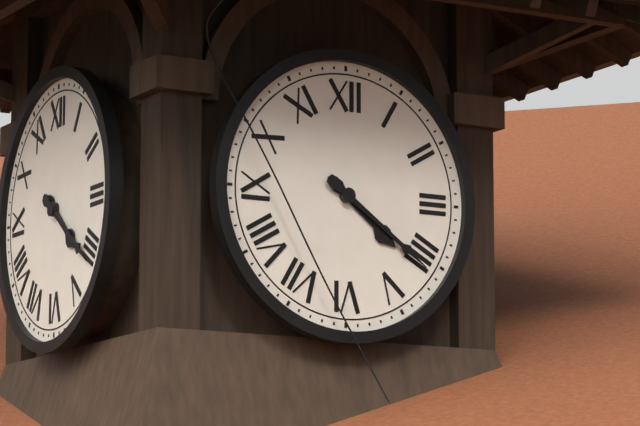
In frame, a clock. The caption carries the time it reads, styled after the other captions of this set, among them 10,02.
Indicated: 4,21
